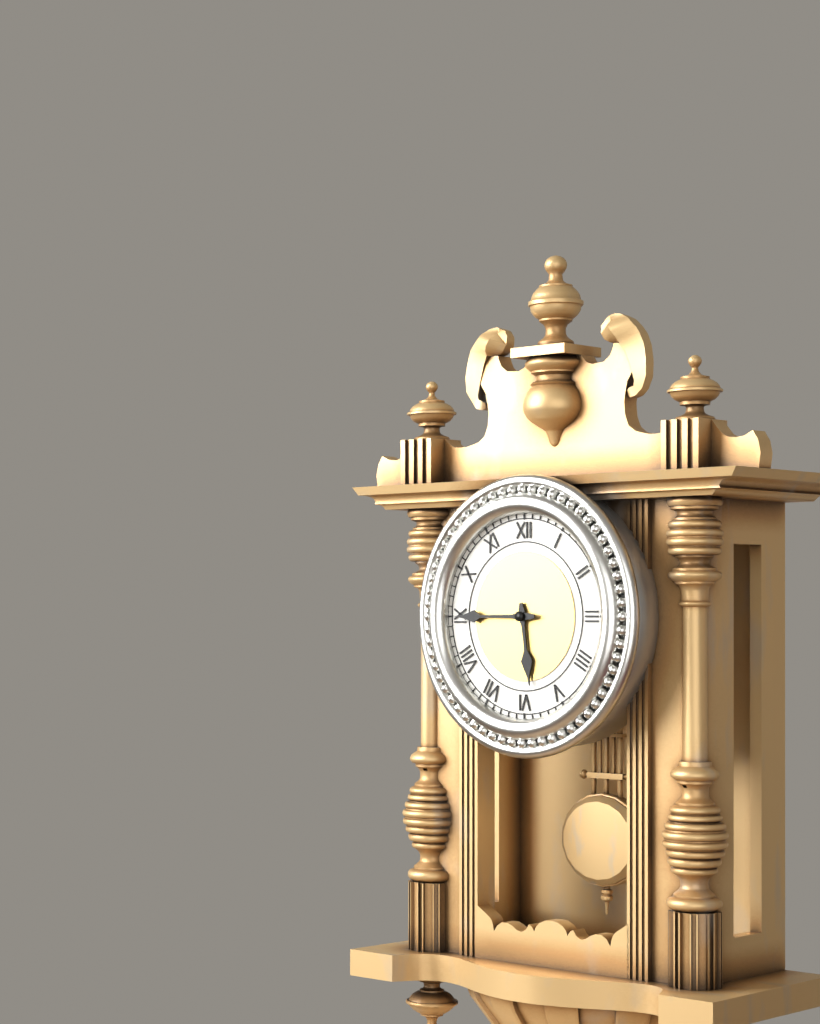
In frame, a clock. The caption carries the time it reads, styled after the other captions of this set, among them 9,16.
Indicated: 5,45
